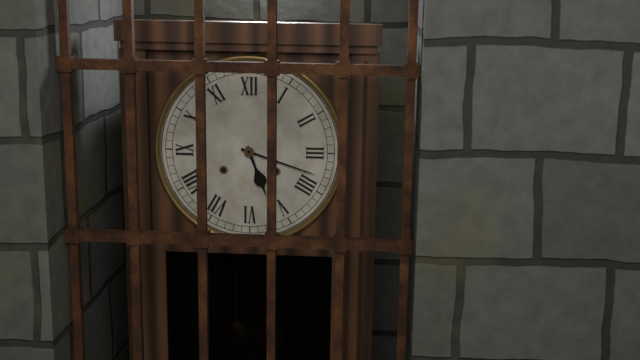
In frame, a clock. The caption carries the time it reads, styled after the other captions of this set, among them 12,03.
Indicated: 5,18
